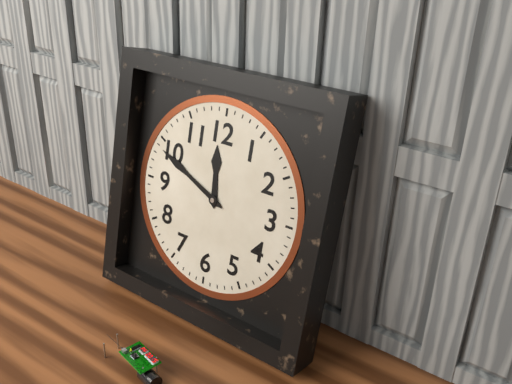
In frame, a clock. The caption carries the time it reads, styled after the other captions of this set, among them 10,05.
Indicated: 11,49
